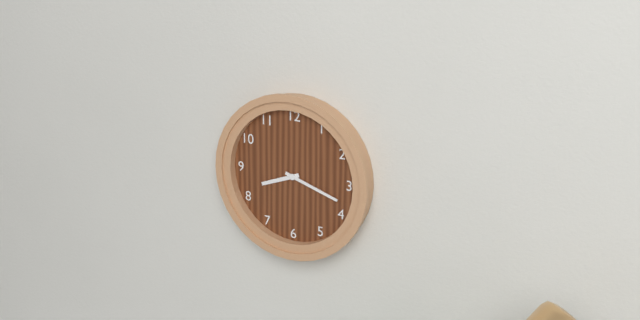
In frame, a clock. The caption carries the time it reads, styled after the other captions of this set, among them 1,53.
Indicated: 8,18
